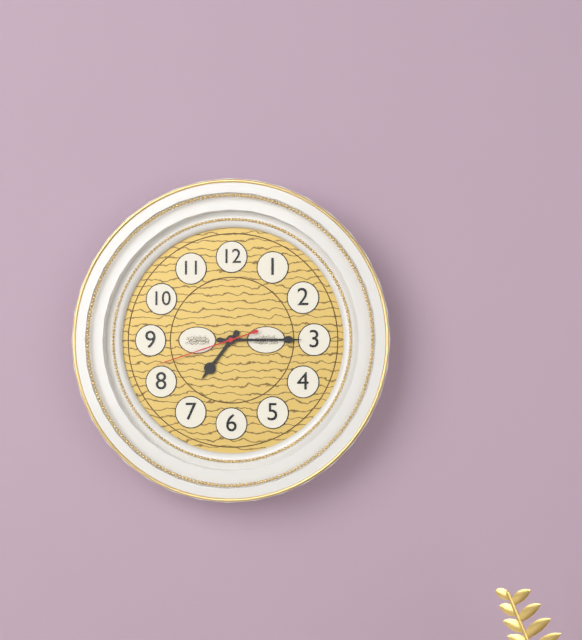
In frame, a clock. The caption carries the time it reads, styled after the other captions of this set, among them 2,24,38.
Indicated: 7,15,42
